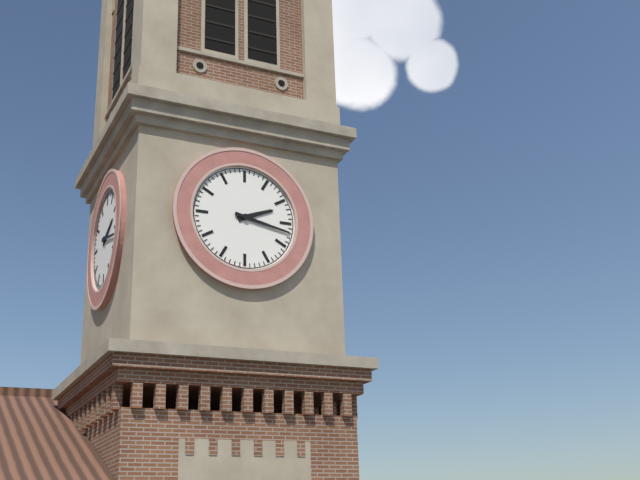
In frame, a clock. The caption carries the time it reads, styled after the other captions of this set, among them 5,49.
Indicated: 2,17
